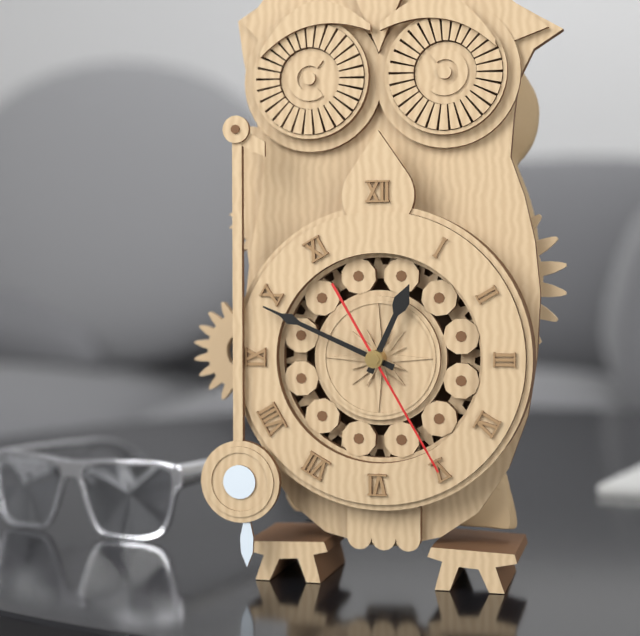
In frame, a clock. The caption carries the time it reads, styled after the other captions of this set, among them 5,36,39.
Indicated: 12,49,25
